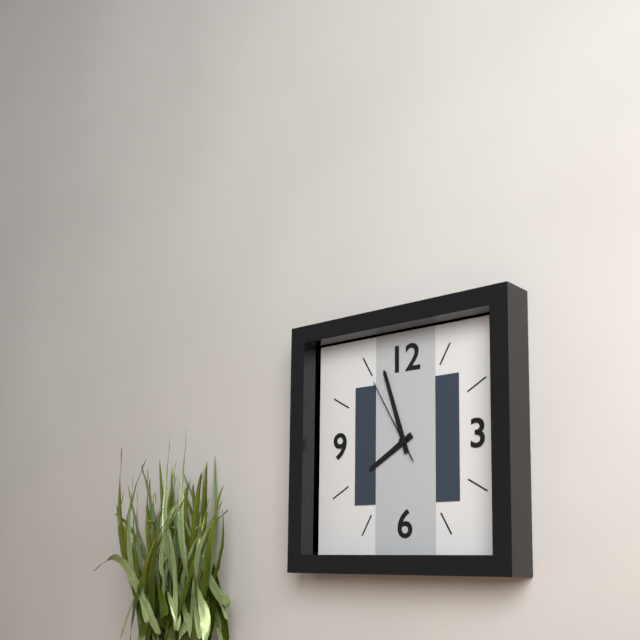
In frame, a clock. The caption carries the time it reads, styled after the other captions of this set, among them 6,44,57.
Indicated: 7,57,55
